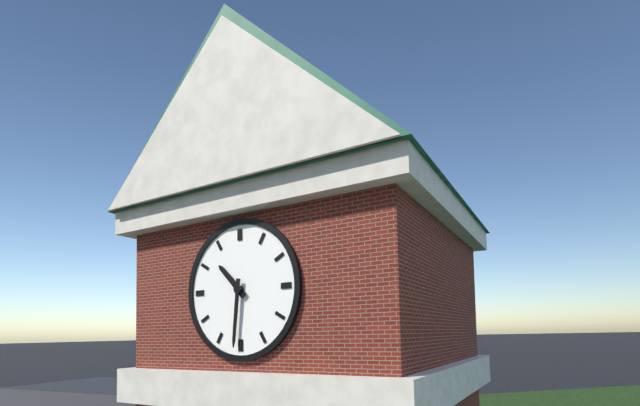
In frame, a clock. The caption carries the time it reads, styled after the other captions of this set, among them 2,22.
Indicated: 10,31
